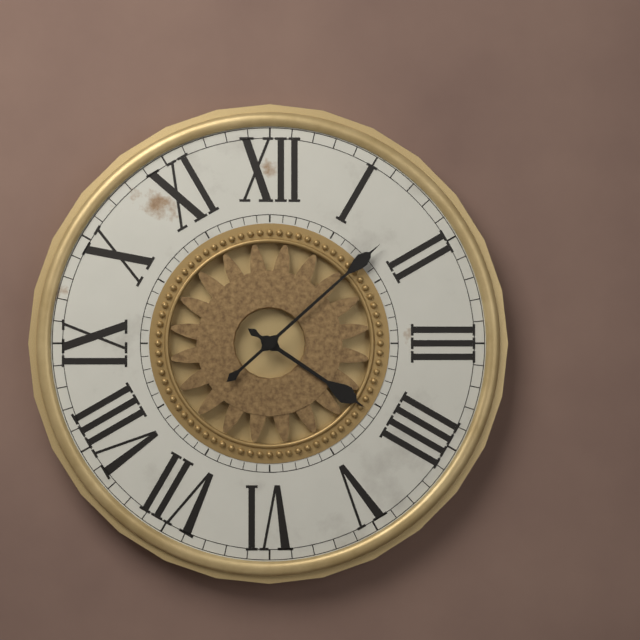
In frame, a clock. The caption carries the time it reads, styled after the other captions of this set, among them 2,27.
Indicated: 4,08
